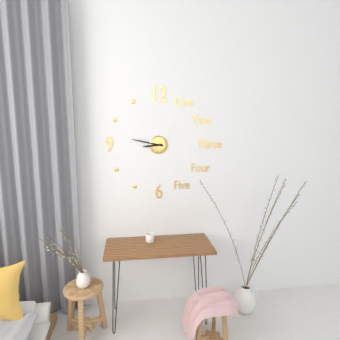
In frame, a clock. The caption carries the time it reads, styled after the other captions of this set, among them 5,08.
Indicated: 8,47
